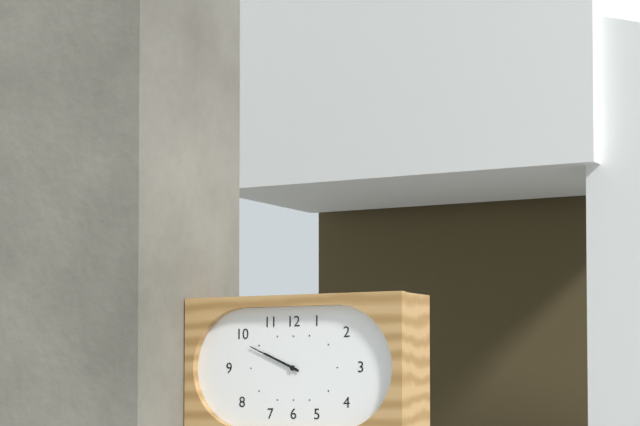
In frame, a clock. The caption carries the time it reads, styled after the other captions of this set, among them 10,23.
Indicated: 9,49
